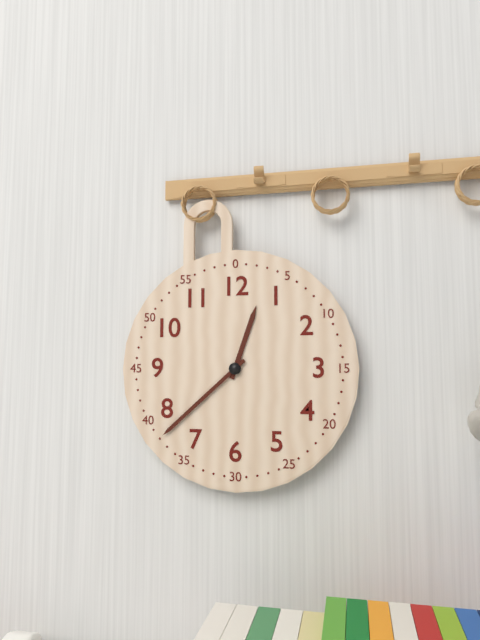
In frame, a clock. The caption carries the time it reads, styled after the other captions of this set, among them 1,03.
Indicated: 12,38
